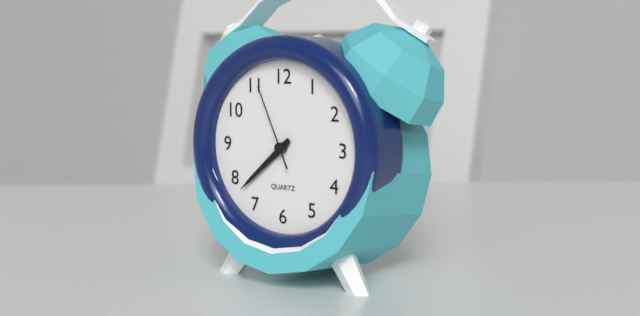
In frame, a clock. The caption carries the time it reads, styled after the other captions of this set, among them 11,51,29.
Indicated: 7,38,56
